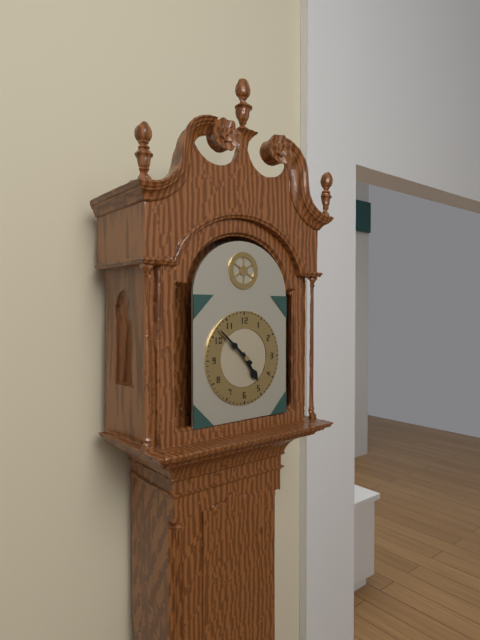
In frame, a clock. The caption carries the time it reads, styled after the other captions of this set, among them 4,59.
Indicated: 4,52
